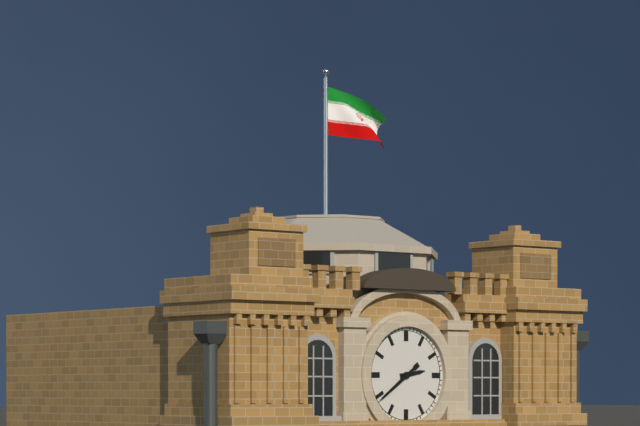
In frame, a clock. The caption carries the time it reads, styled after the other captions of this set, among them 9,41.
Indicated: 2,39
